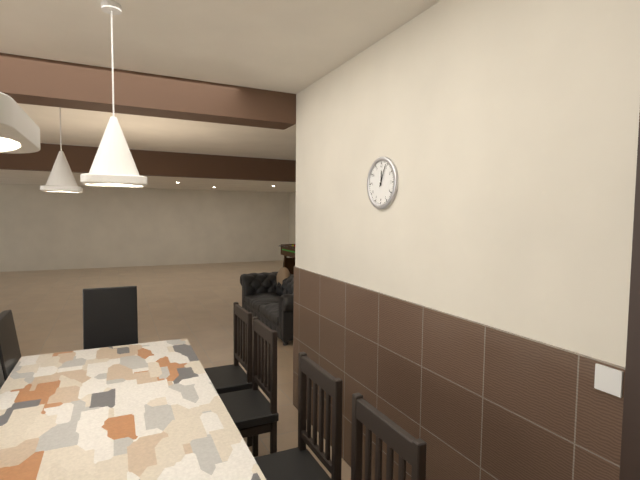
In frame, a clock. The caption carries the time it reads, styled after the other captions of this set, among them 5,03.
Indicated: 12,04
